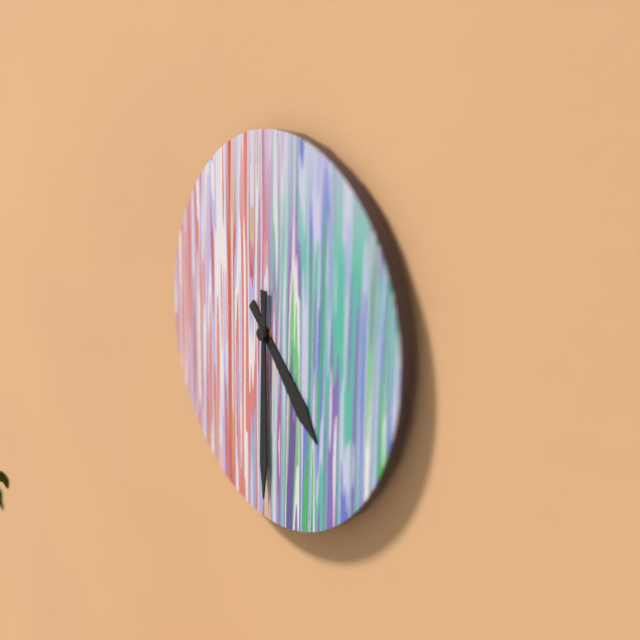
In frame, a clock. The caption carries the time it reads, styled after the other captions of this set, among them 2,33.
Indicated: 4,30
